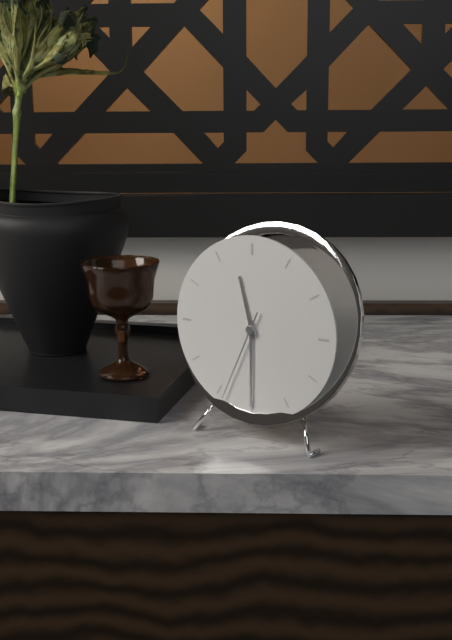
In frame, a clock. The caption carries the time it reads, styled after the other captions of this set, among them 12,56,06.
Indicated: 11,30,34
